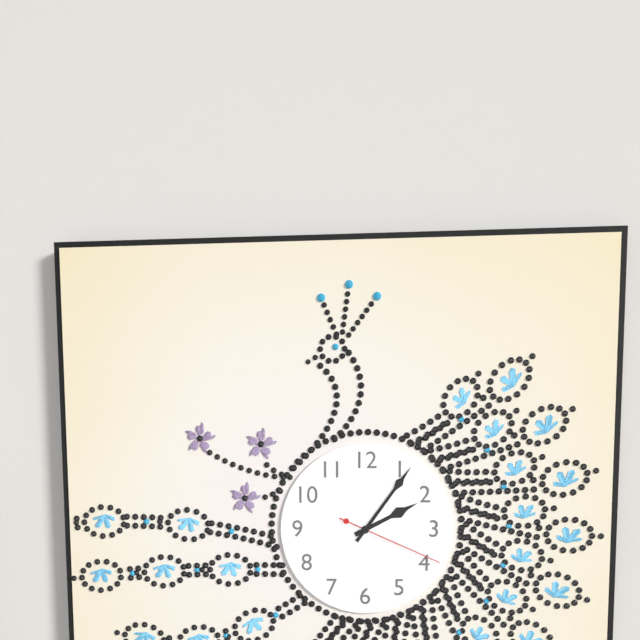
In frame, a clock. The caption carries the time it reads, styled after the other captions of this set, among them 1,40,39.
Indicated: 2,06,19
